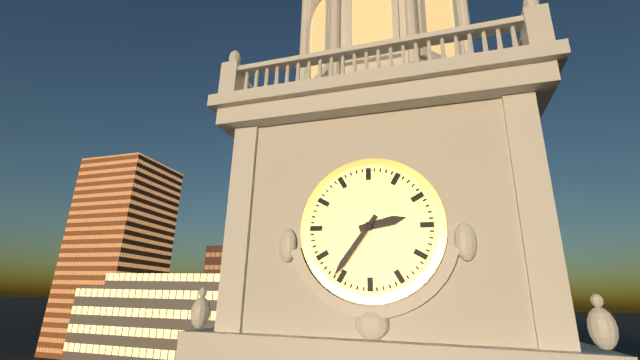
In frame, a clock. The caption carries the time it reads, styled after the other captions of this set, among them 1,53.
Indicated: 2,36
